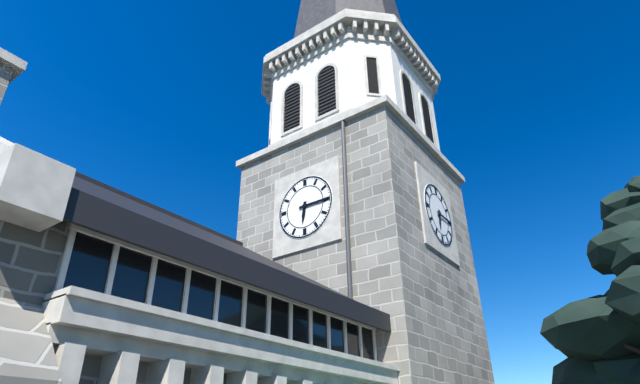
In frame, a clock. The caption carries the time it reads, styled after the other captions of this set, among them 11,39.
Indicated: 6,15
